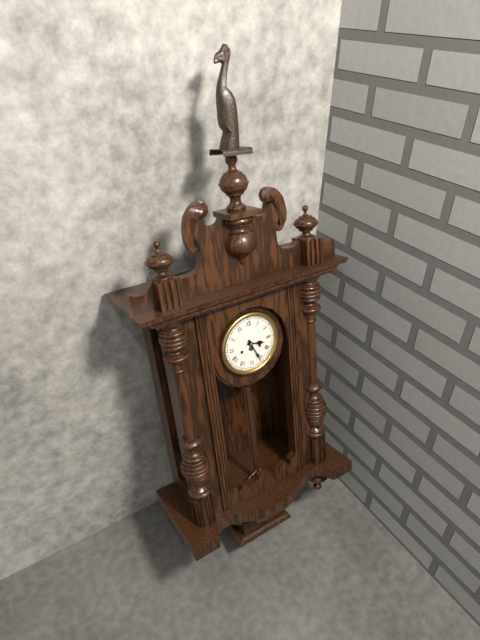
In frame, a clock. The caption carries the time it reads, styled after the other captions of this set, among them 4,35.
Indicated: 3,26
